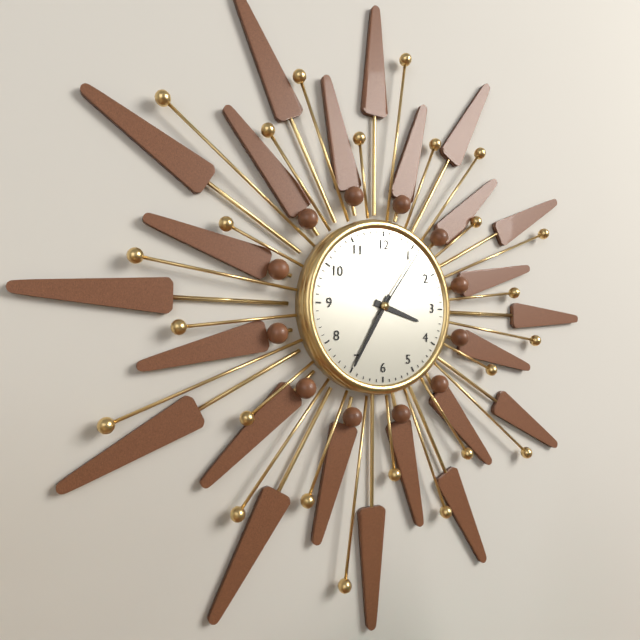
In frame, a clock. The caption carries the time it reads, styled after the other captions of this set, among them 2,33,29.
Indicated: 3,35,06
